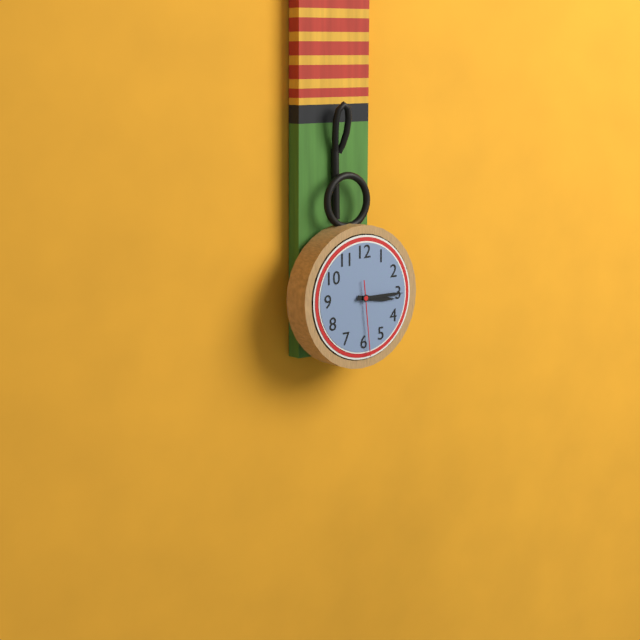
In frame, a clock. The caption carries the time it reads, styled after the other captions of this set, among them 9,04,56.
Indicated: 3,15,29
